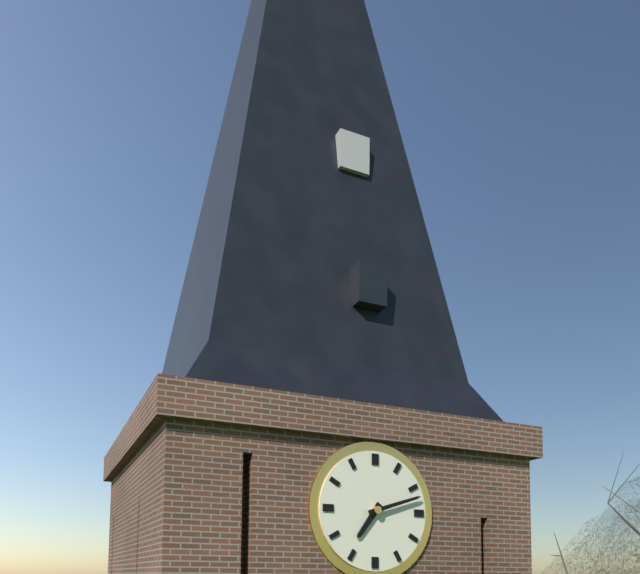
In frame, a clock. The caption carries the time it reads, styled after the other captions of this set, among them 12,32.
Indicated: 7,12
